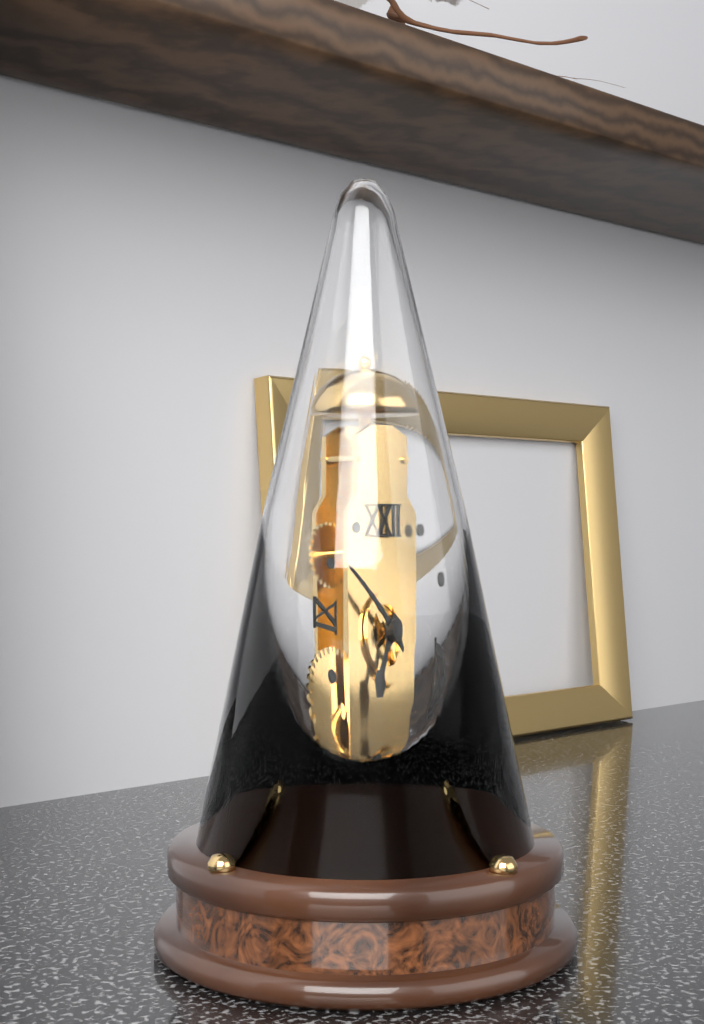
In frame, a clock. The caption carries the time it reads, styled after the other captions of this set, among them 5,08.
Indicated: 6,51
